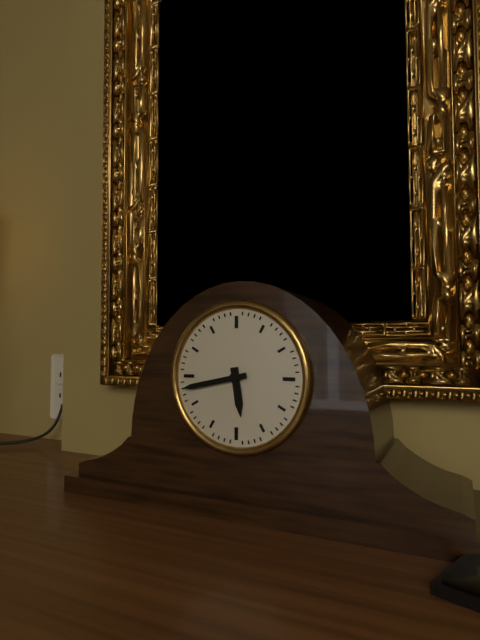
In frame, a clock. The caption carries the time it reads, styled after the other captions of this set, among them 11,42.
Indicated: 5,43
